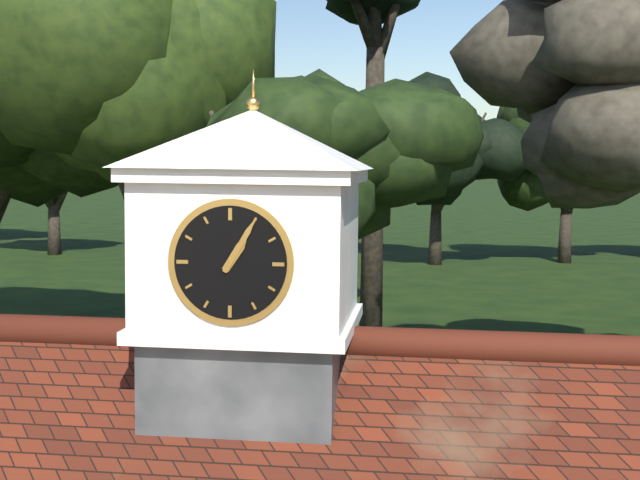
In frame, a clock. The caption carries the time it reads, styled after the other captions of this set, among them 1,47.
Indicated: 1,05
